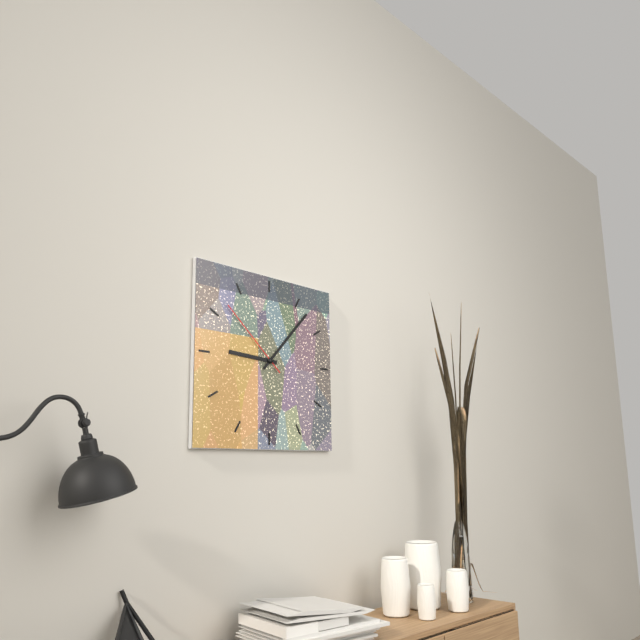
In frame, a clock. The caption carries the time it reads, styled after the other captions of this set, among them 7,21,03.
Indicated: 9,07,52
